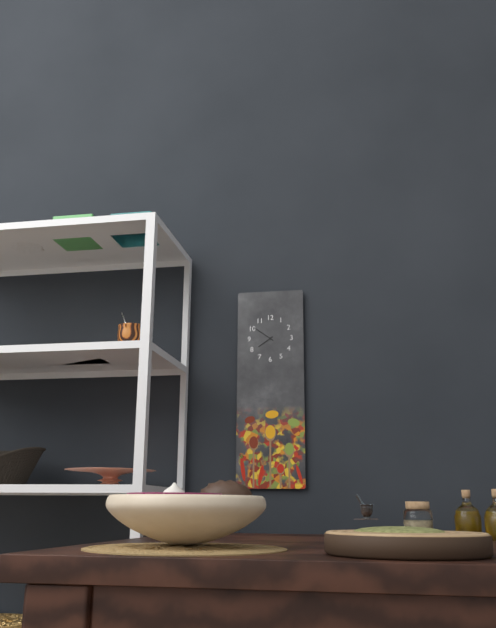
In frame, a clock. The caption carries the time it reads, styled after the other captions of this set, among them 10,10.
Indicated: 7,51
